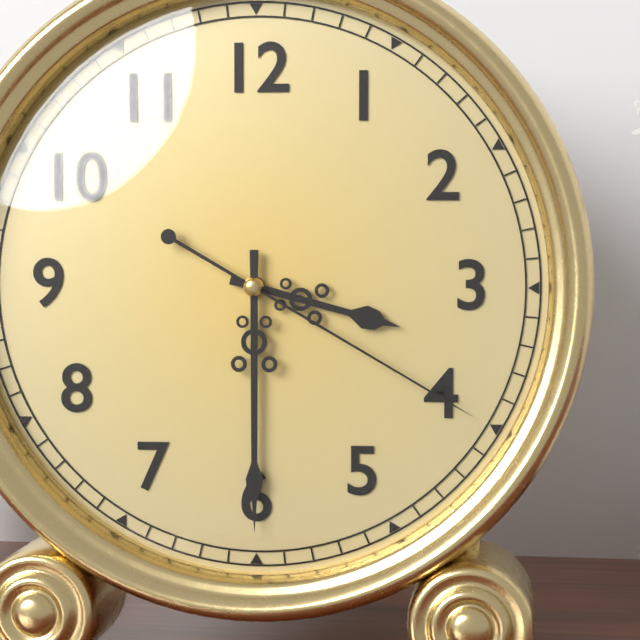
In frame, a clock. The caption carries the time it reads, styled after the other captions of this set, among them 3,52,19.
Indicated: 3,30,20
